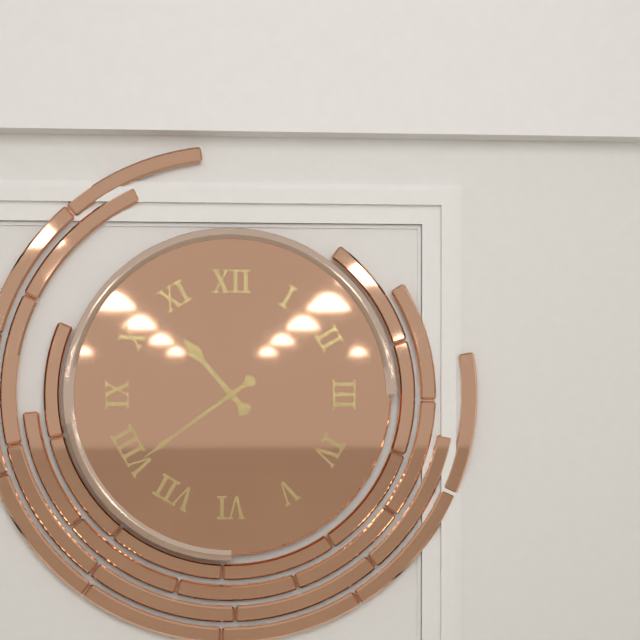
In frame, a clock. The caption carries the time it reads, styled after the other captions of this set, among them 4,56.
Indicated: 10,39
